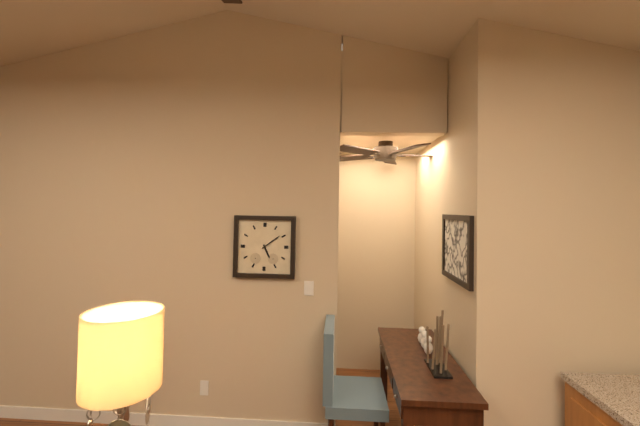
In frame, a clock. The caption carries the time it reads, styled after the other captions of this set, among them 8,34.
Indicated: 5,09
